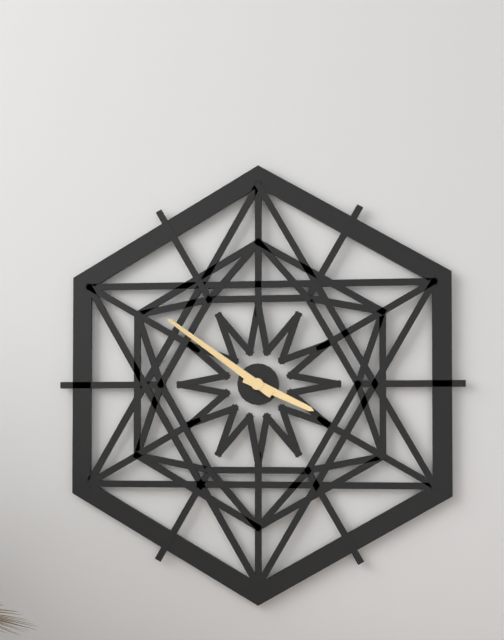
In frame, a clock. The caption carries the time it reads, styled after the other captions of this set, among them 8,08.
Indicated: 3,51
